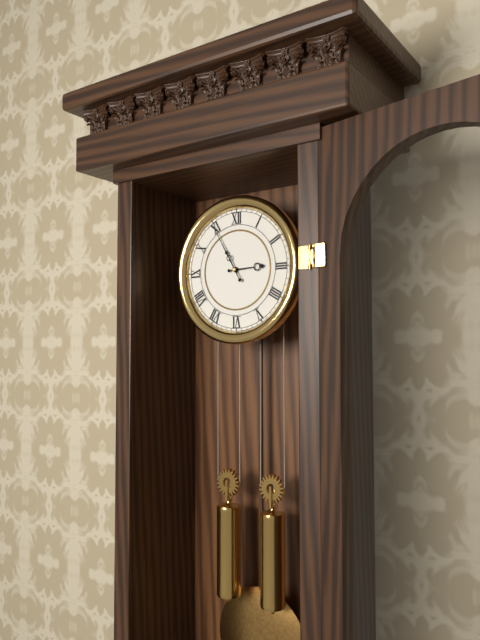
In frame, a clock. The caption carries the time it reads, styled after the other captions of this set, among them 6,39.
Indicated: 2,55
